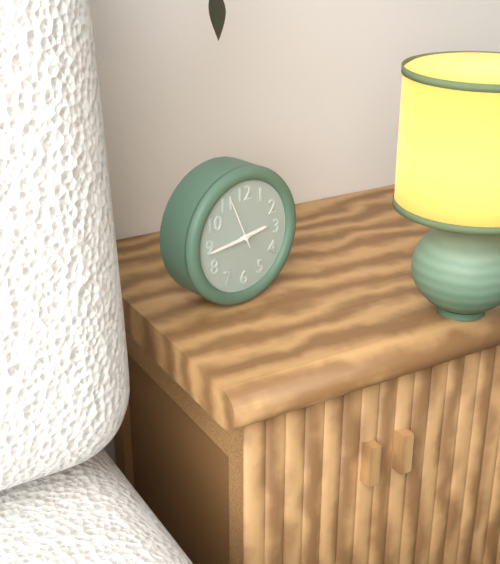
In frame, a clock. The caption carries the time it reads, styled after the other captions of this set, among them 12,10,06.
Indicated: 2,44,56
